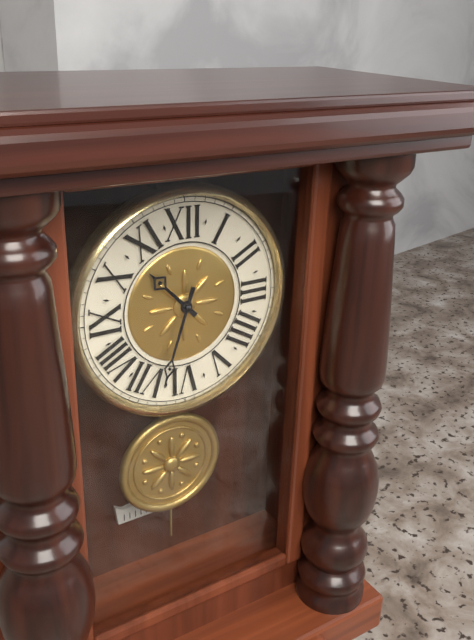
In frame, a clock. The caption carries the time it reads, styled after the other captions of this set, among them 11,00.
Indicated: 10,33
